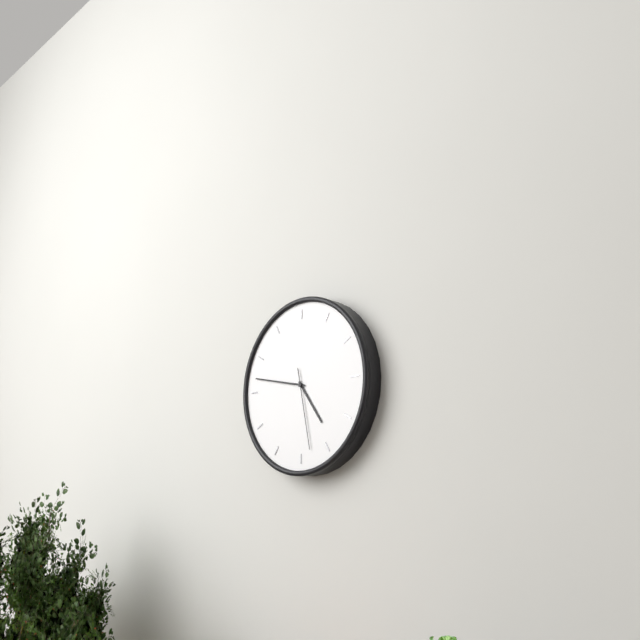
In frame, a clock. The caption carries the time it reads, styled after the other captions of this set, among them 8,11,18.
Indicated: 4,47,28
